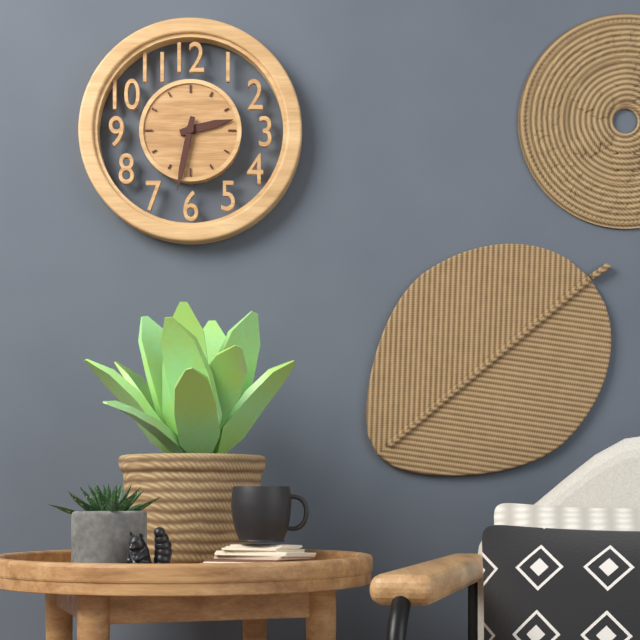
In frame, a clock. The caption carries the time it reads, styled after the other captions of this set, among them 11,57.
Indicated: 2,32
